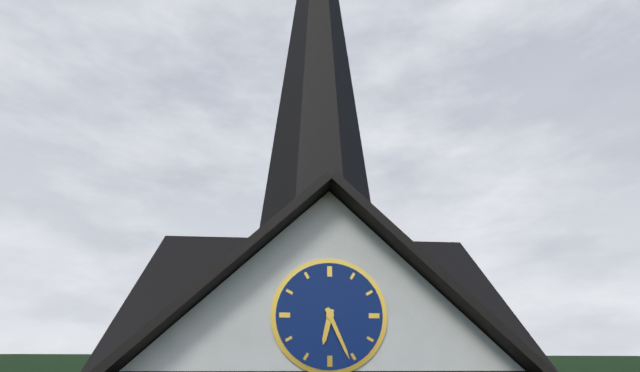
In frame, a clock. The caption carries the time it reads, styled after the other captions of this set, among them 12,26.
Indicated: 6,26
